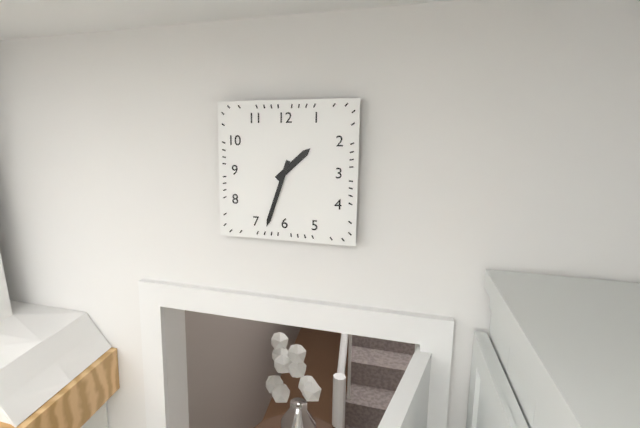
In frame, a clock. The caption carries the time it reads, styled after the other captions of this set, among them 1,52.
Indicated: 1,33
